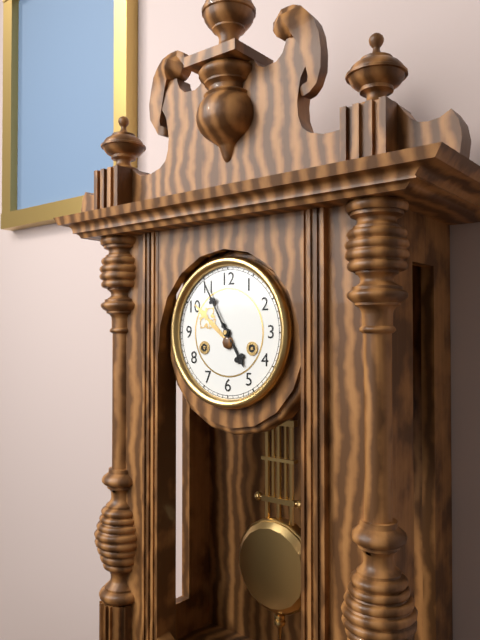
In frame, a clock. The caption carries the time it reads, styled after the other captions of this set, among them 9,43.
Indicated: 4,55
